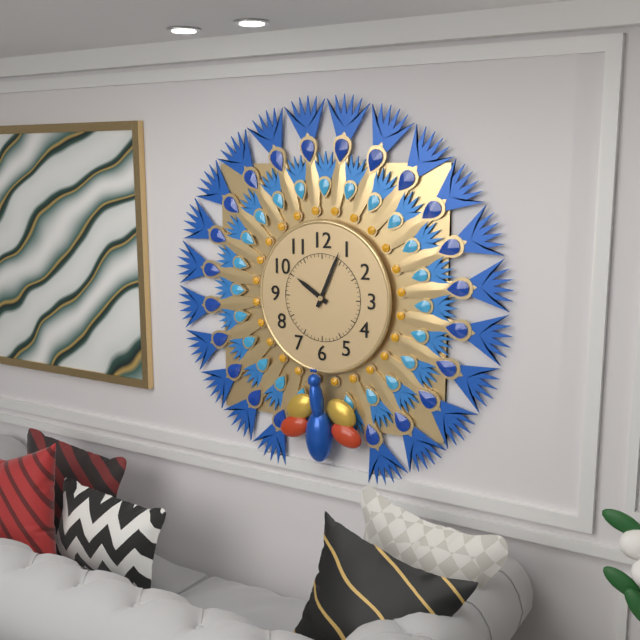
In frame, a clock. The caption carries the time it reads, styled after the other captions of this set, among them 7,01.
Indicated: 10,04
